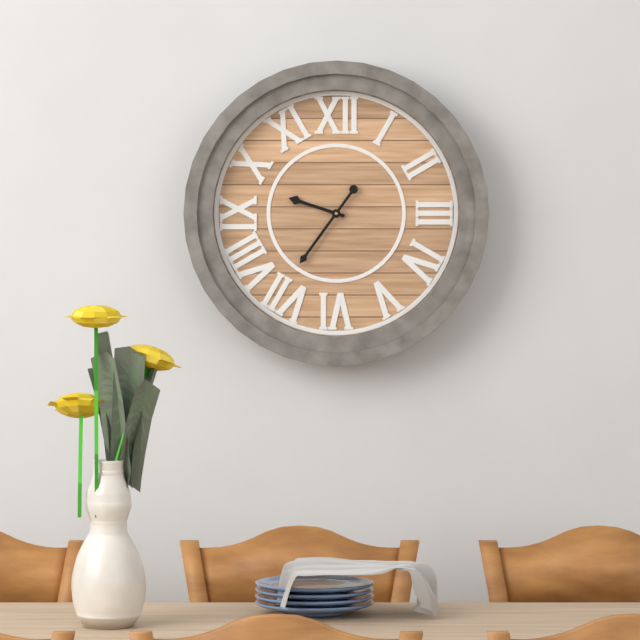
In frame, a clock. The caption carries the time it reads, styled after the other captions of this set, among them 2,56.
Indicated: 9,36
